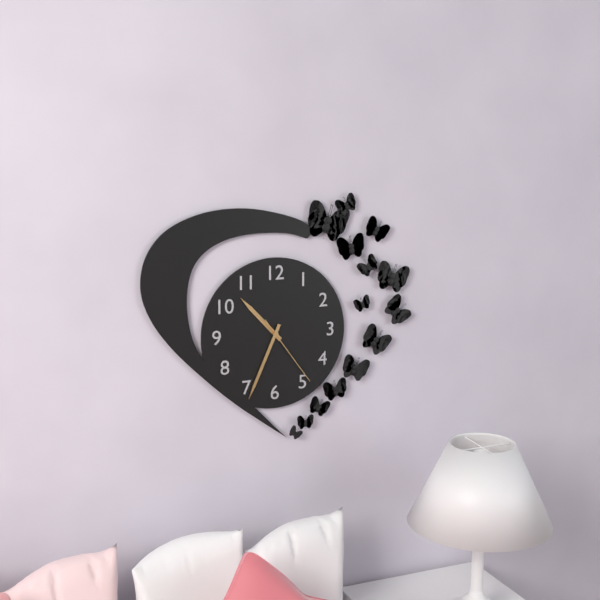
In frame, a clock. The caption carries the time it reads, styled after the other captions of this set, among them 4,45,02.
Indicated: 10,34,24
